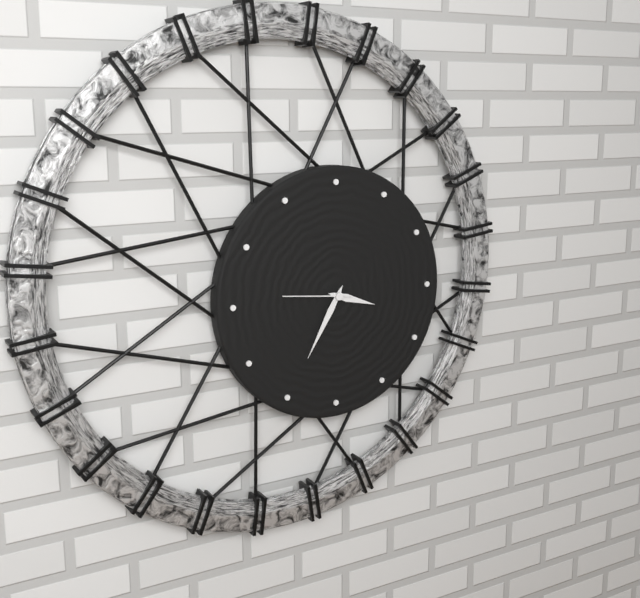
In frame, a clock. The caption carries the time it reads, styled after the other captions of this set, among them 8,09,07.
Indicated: 3,35,46
